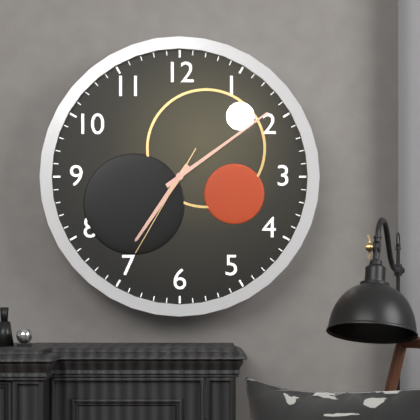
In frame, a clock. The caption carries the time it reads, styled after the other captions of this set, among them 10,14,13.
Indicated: 7,09,35
